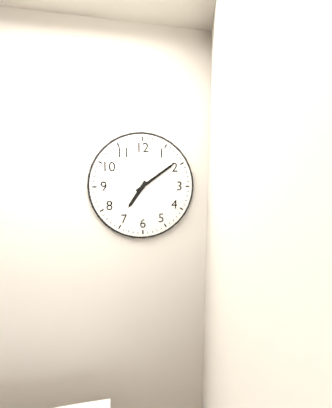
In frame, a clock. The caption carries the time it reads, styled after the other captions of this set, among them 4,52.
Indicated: 7,09
